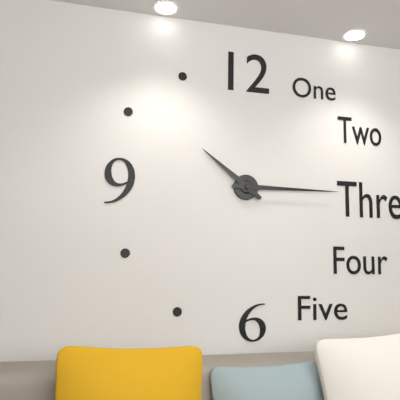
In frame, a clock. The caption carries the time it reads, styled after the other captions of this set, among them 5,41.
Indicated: 10,15
